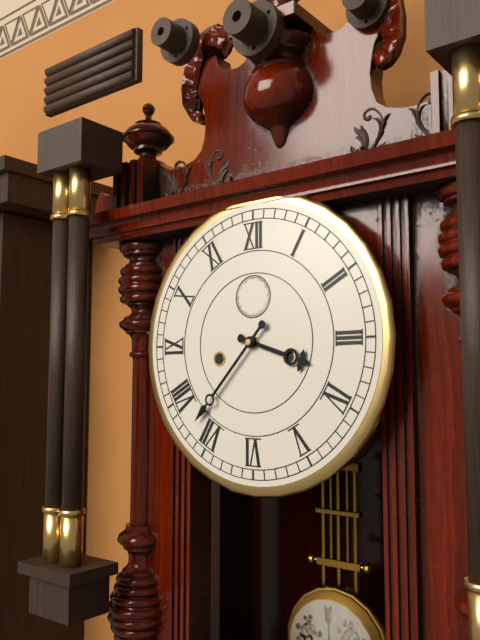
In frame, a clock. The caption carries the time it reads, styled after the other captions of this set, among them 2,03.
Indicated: 3,37
